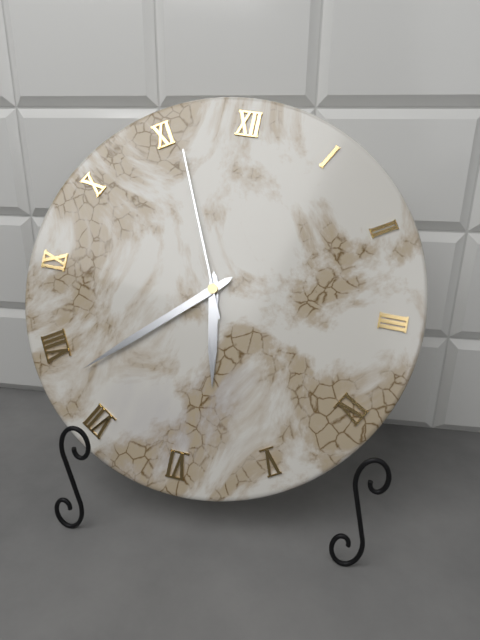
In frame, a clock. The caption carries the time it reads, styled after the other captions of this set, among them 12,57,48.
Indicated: 5,38,56
